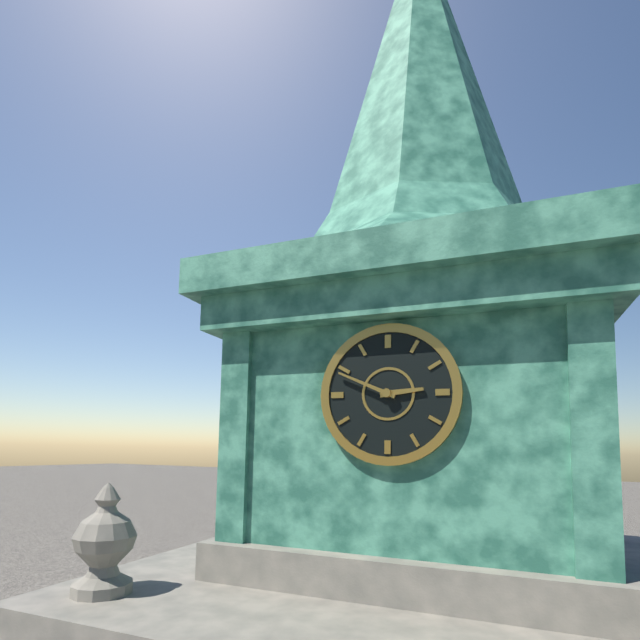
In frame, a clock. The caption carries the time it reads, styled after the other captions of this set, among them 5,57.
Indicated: 2,49
